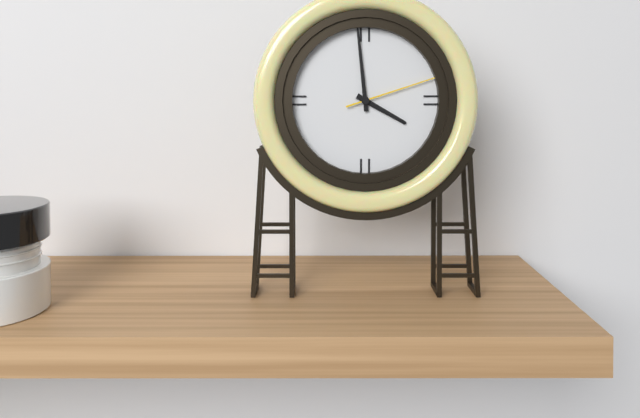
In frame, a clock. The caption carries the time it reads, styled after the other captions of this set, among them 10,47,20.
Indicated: 3,59,12
